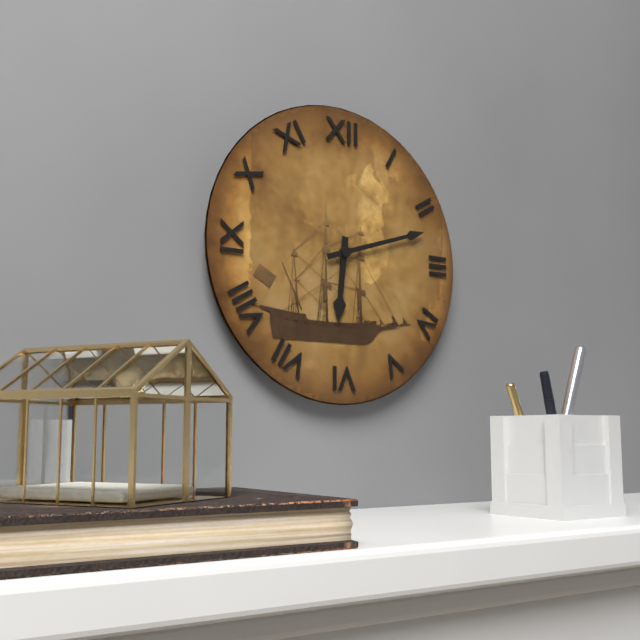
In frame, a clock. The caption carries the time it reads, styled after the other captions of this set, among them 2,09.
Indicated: 6,12
